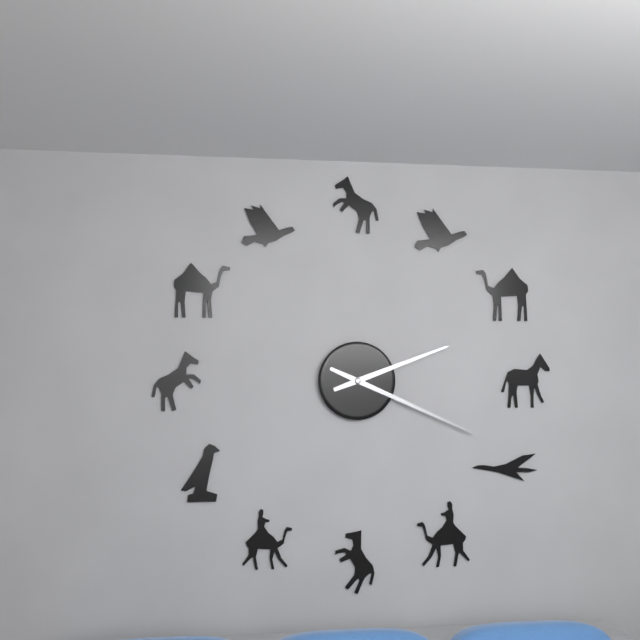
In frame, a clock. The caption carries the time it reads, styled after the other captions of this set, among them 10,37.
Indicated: 2,19
